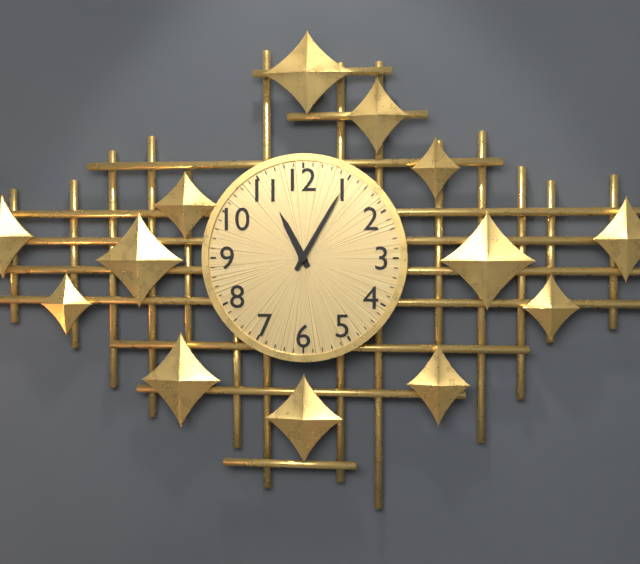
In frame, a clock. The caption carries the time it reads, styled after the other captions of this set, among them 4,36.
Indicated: 11,05
